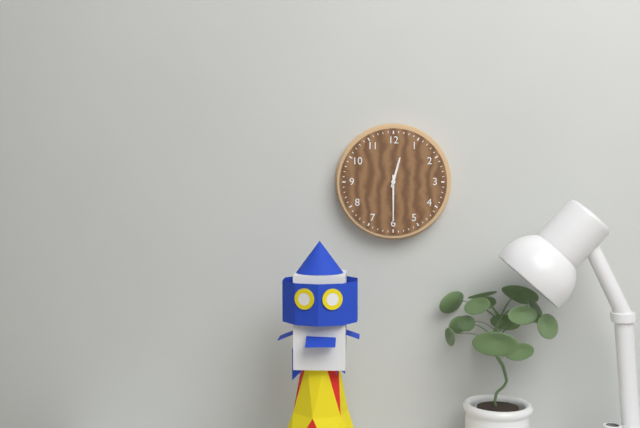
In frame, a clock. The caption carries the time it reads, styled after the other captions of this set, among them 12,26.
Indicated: 12,30
